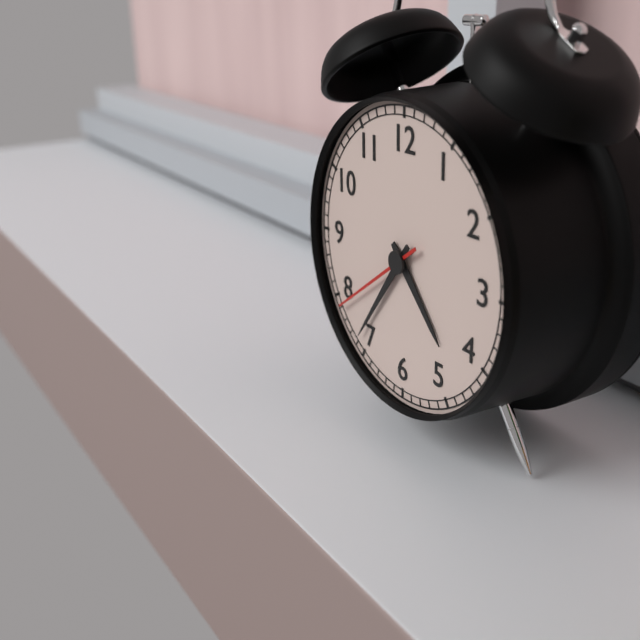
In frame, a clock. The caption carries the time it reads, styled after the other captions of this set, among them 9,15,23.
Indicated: 4,36,39
